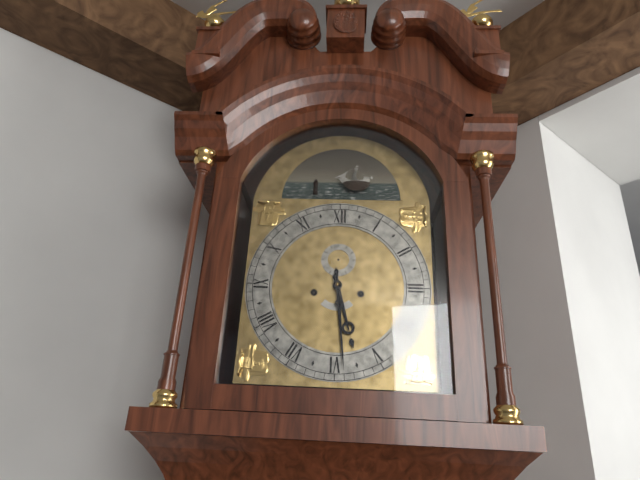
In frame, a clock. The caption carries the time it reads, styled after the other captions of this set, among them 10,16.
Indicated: 5,29
